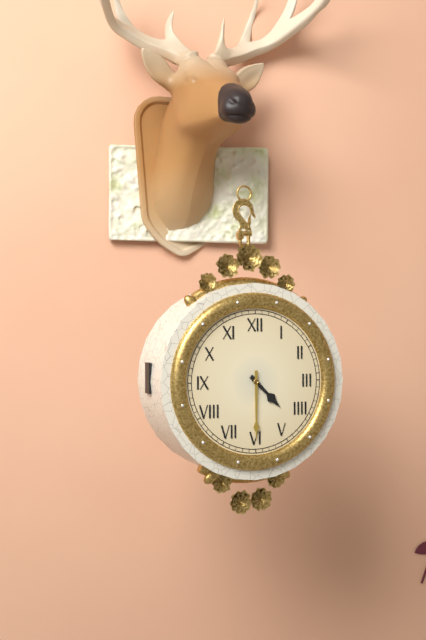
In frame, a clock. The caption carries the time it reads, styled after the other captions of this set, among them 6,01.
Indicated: 4,30
